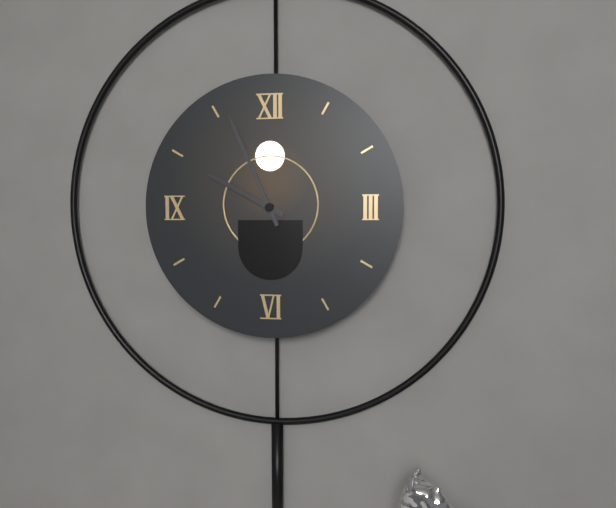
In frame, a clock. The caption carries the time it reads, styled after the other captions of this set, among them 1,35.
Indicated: 9,56
